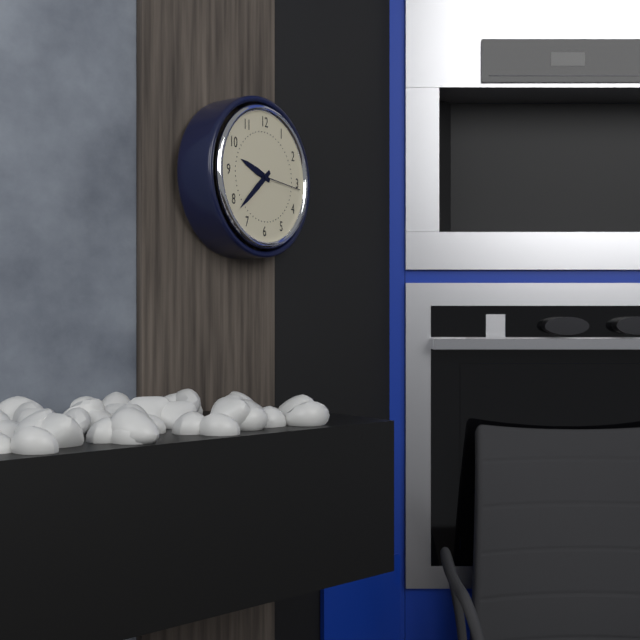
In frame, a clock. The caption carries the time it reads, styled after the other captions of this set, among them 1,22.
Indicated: 9,38
